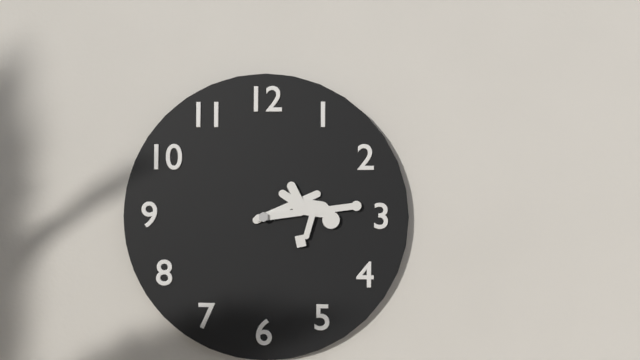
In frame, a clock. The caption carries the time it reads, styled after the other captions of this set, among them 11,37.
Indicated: 2,13
